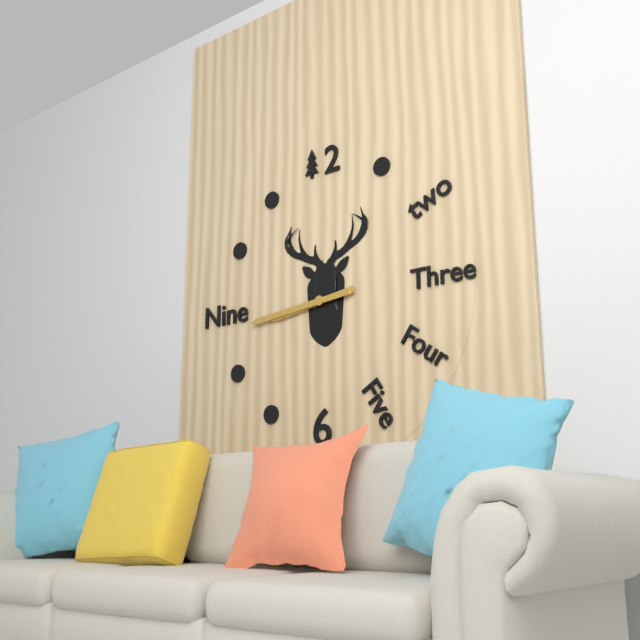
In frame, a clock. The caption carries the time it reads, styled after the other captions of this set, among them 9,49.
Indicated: 8,44
